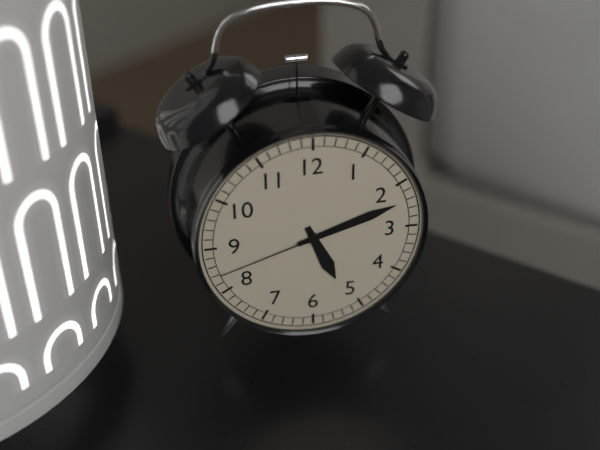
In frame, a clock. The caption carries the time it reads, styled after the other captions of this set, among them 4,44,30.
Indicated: 5,12,42
